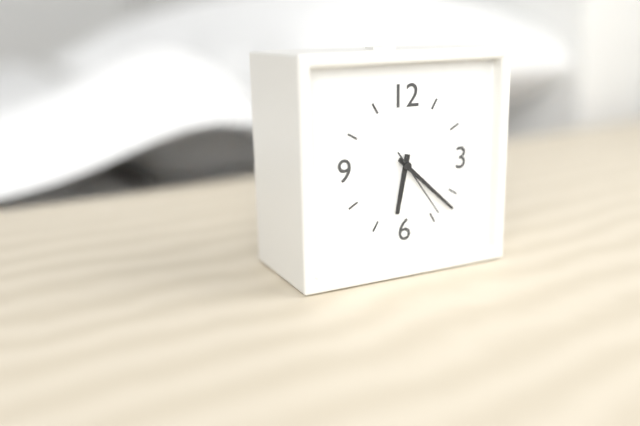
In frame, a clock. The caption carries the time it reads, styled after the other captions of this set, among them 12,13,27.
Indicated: 6,22,24
